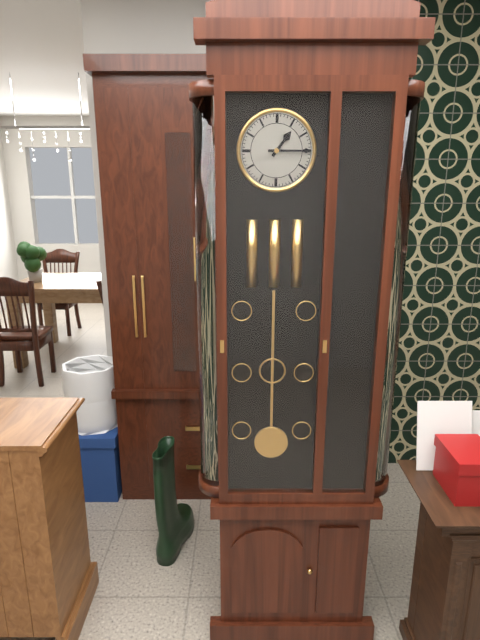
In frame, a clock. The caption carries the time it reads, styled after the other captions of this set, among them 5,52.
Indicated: 1,15
